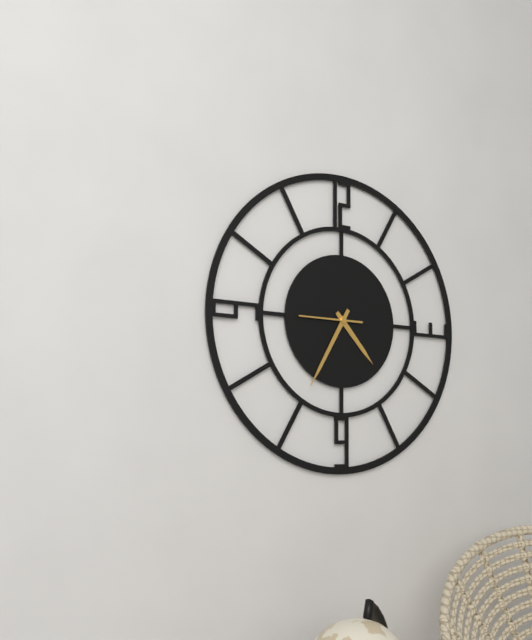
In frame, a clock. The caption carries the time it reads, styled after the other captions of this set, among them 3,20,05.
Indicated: 4,35,45
